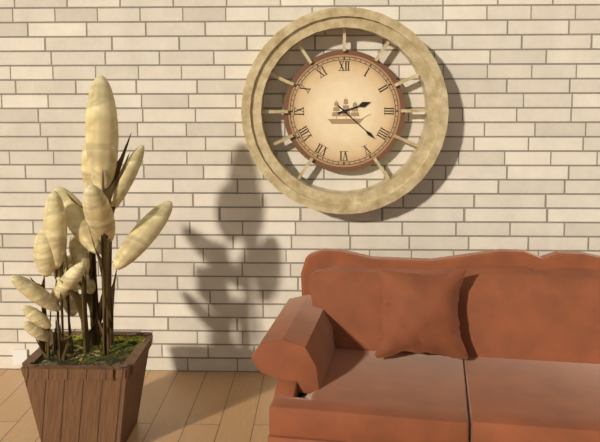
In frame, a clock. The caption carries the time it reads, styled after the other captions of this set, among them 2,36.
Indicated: 2,22
